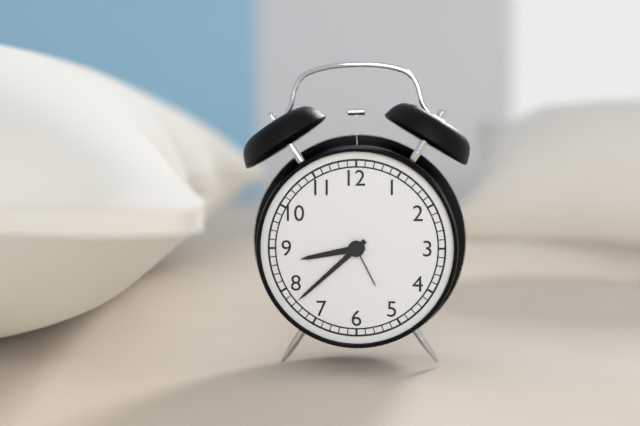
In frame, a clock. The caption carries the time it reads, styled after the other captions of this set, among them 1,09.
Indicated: 8,38
